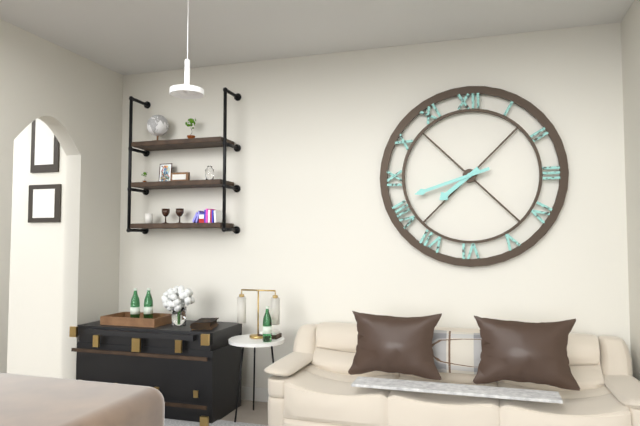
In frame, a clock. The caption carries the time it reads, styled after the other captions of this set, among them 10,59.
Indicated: 7,42
